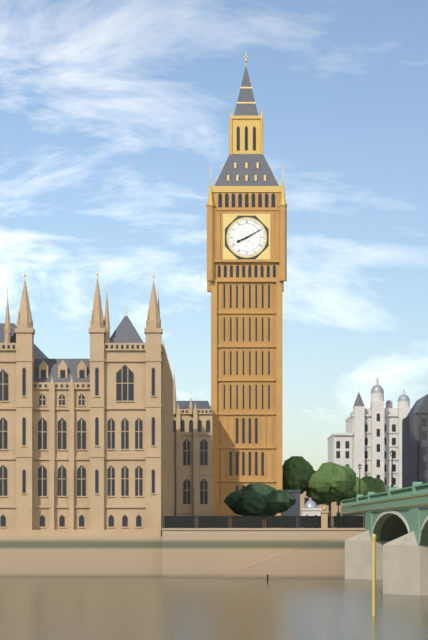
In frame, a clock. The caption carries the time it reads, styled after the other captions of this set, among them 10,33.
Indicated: 8,10
